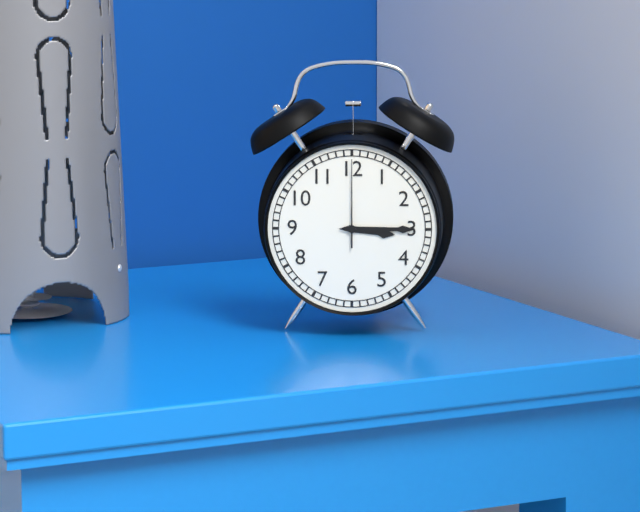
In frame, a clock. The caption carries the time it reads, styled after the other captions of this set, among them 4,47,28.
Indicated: 3,15,00
